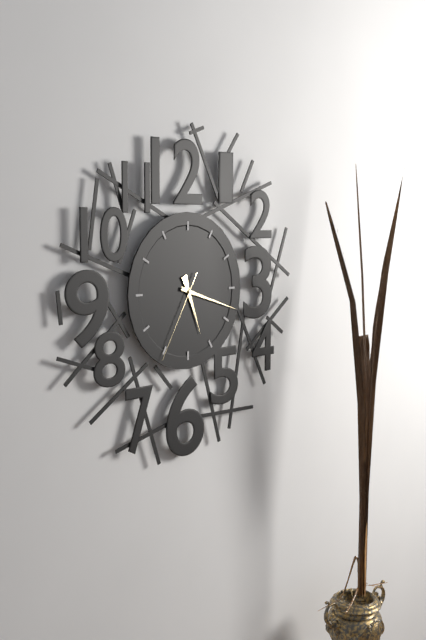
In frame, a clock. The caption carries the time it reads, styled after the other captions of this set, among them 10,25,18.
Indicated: 5,18,35
